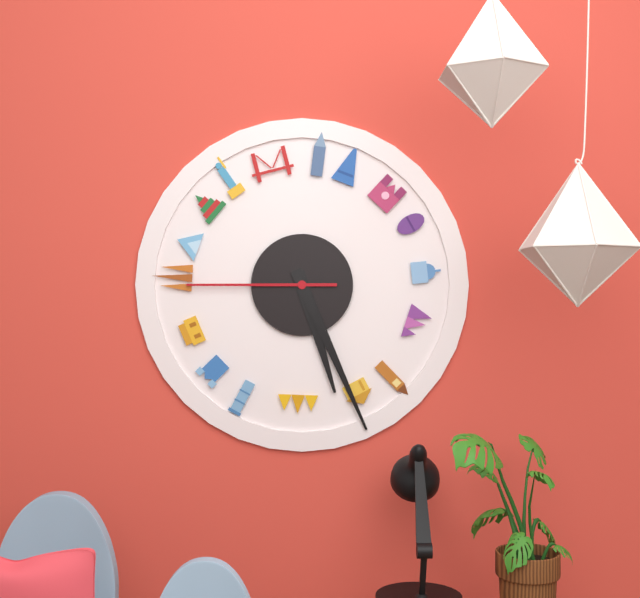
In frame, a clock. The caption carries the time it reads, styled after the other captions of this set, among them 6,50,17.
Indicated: 5,26,45
